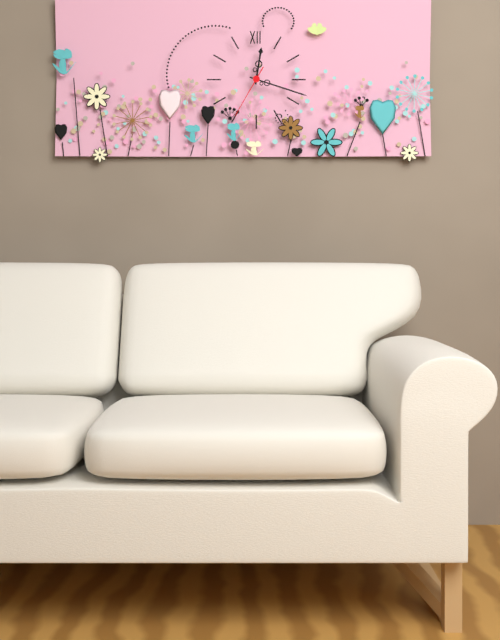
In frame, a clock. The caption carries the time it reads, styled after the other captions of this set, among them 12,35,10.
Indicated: 12,18,35
